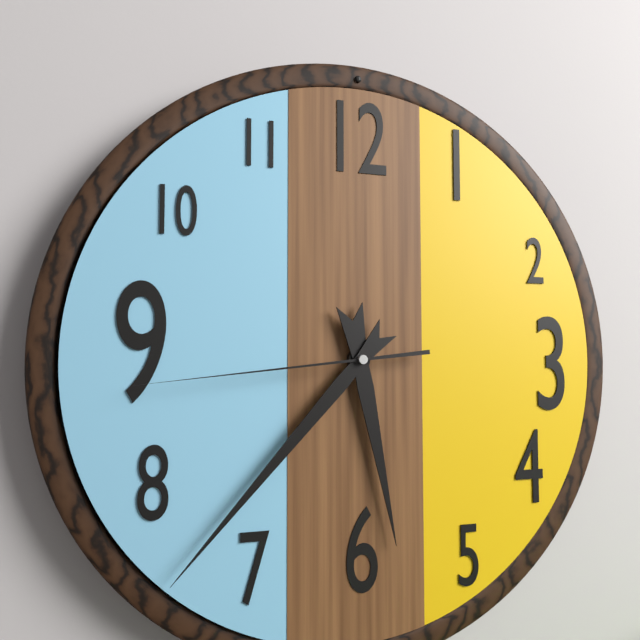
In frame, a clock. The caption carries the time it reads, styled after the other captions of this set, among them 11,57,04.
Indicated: 5,37,44
